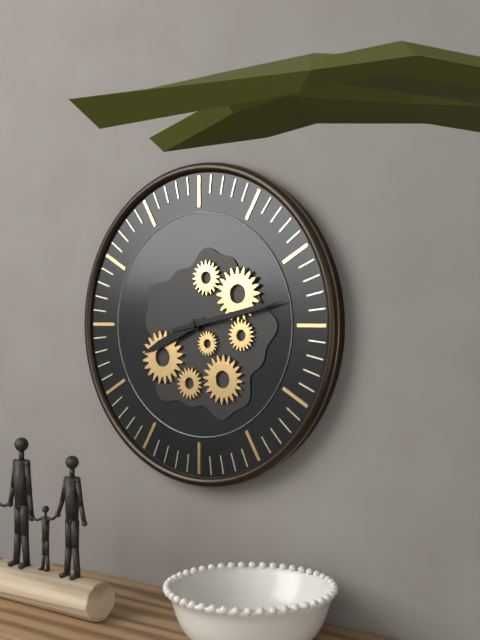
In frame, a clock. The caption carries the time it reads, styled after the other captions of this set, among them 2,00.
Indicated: 8,13
